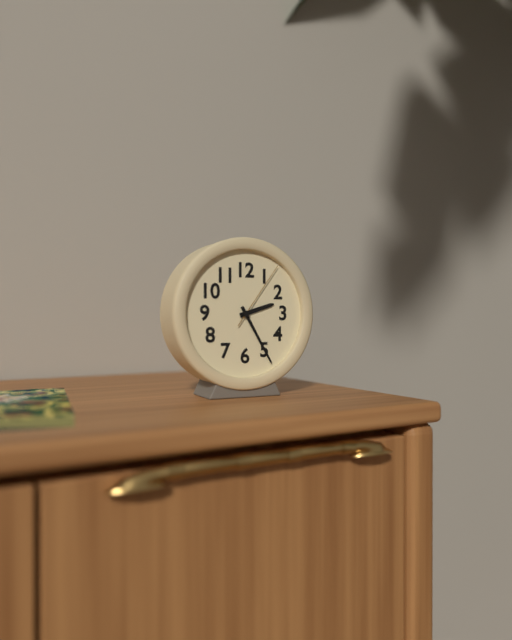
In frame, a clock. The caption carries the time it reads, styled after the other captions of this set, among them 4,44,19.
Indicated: 2,25,06
